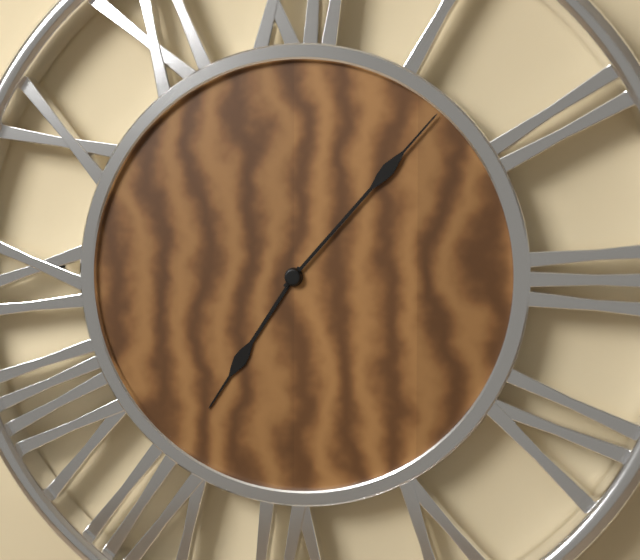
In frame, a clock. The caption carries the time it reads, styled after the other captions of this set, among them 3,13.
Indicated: 7,07
